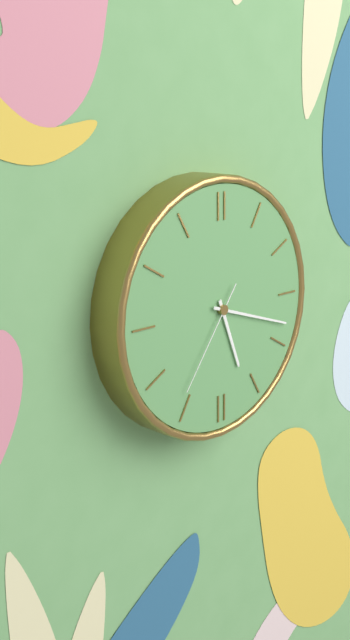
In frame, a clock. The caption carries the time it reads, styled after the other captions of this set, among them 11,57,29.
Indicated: 5,18,36
